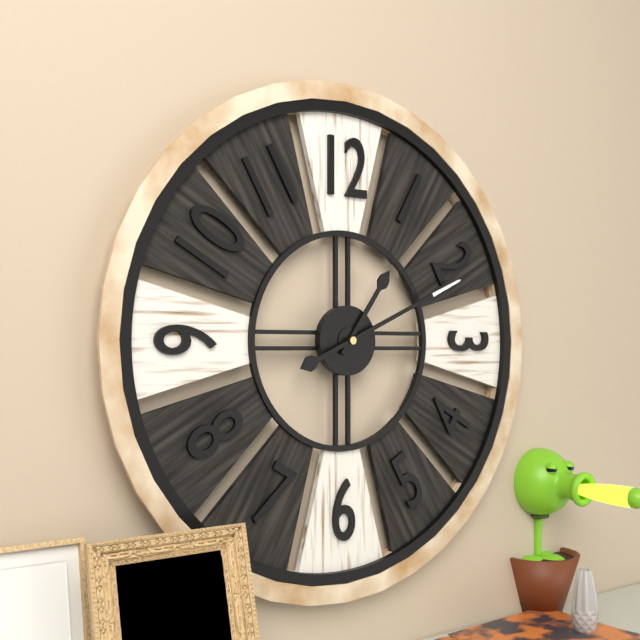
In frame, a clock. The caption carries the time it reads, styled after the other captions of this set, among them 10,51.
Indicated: 1,11
